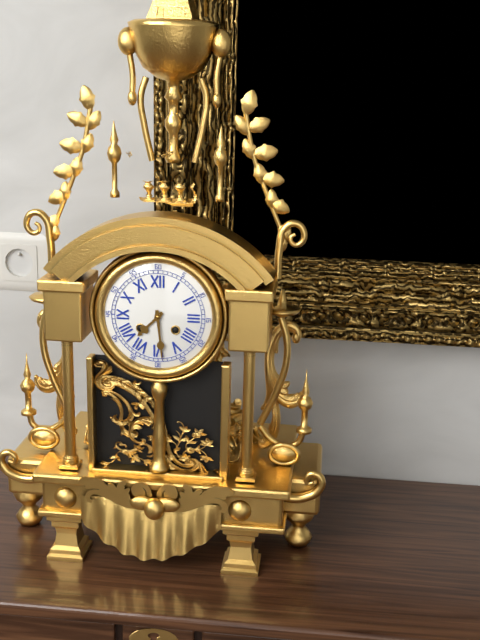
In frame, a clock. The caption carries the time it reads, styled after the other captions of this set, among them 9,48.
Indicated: 7,29
